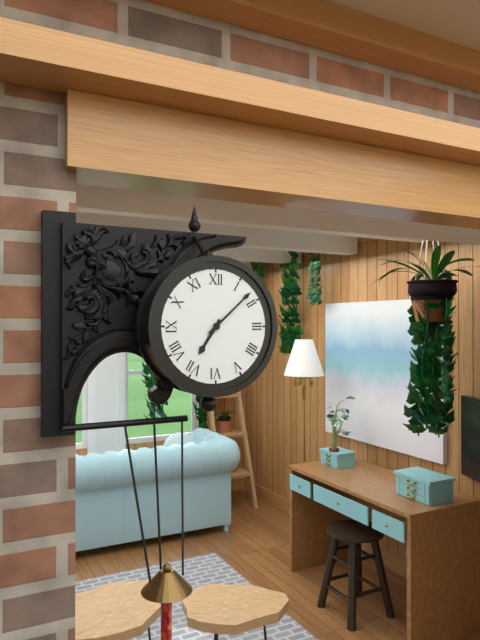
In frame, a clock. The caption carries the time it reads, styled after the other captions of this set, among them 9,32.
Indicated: 7,08
